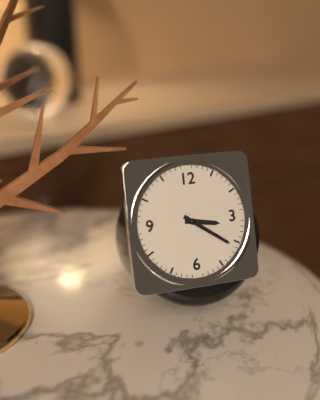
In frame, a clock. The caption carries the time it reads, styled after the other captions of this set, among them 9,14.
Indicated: 3,21
